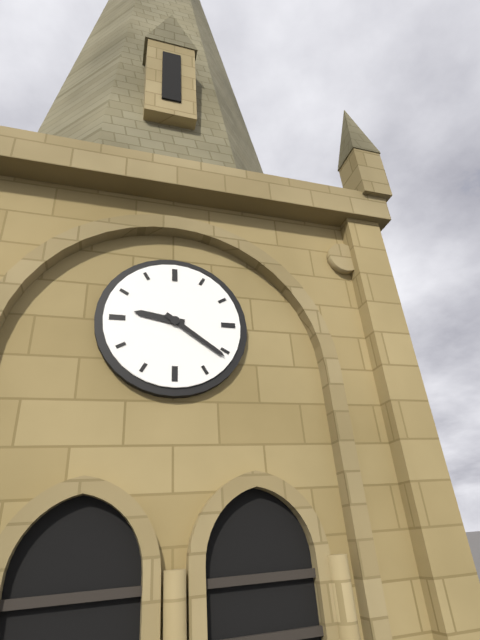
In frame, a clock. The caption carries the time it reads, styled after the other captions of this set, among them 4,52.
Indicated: 9,21
